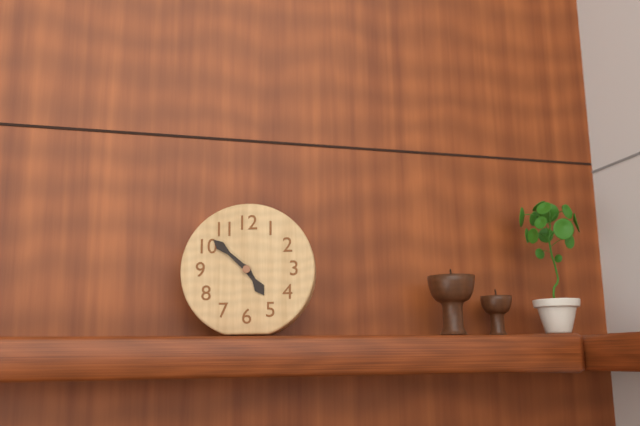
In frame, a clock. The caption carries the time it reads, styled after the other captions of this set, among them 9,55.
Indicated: 4,52
